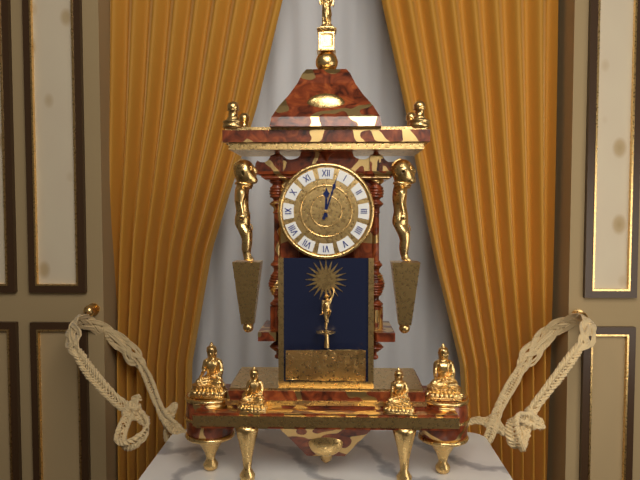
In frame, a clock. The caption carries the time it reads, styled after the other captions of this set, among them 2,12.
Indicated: 12,03
